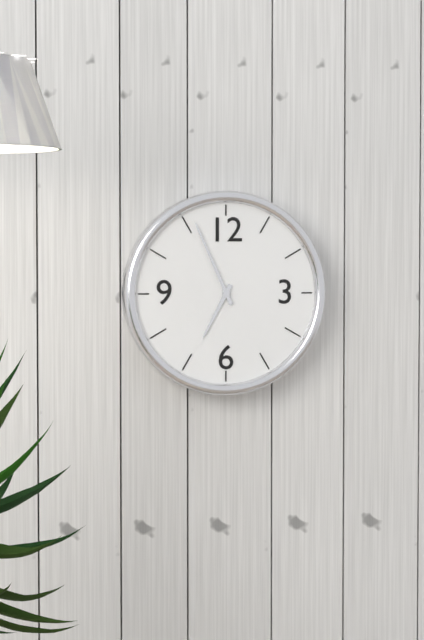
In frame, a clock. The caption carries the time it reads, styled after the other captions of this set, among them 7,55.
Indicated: 6,56
